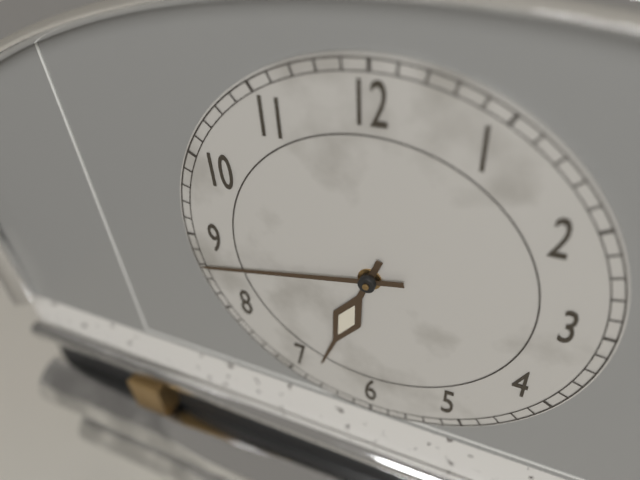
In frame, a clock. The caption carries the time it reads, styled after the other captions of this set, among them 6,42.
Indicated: 6,43
